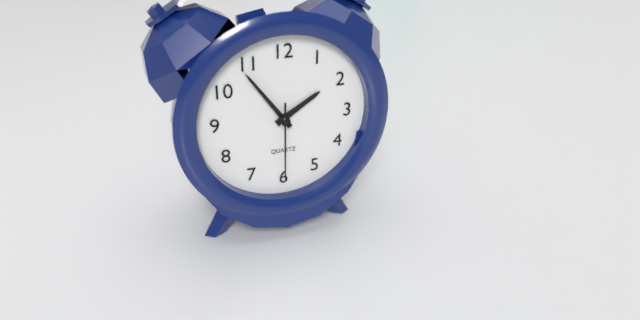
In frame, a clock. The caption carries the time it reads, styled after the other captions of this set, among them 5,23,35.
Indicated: 1,54,30
